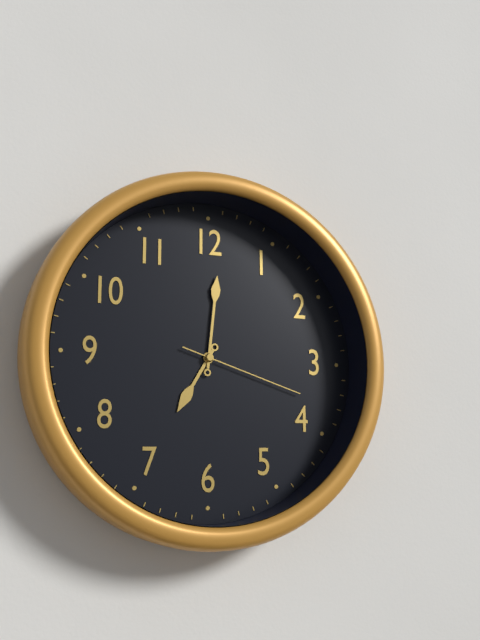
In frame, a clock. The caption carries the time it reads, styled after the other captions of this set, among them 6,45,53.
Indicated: 7,01,18
